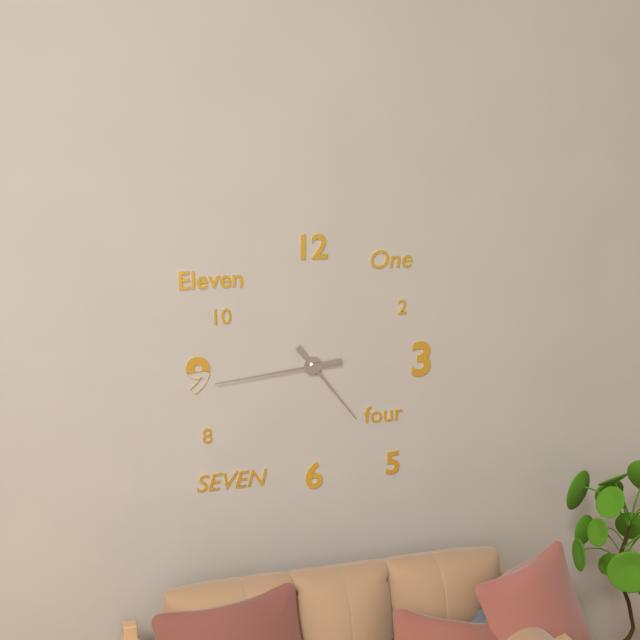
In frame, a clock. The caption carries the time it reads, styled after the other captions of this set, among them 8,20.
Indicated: 4,44
